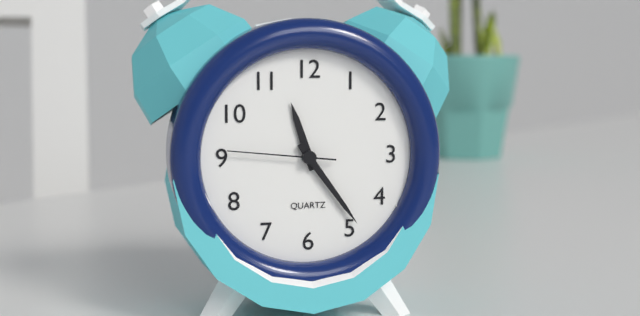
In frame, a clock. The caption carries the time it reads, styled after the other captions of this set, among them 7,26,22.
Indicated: 11,24,46
